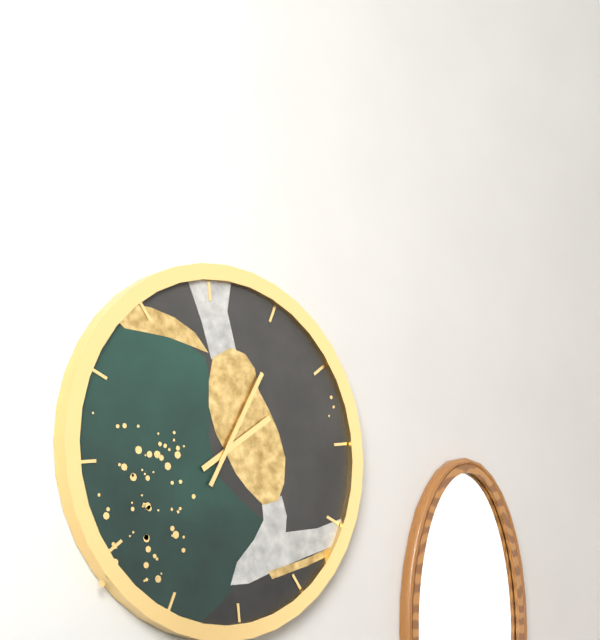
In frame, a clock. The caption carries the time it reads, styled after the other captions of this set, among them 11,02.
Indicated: 2,06
